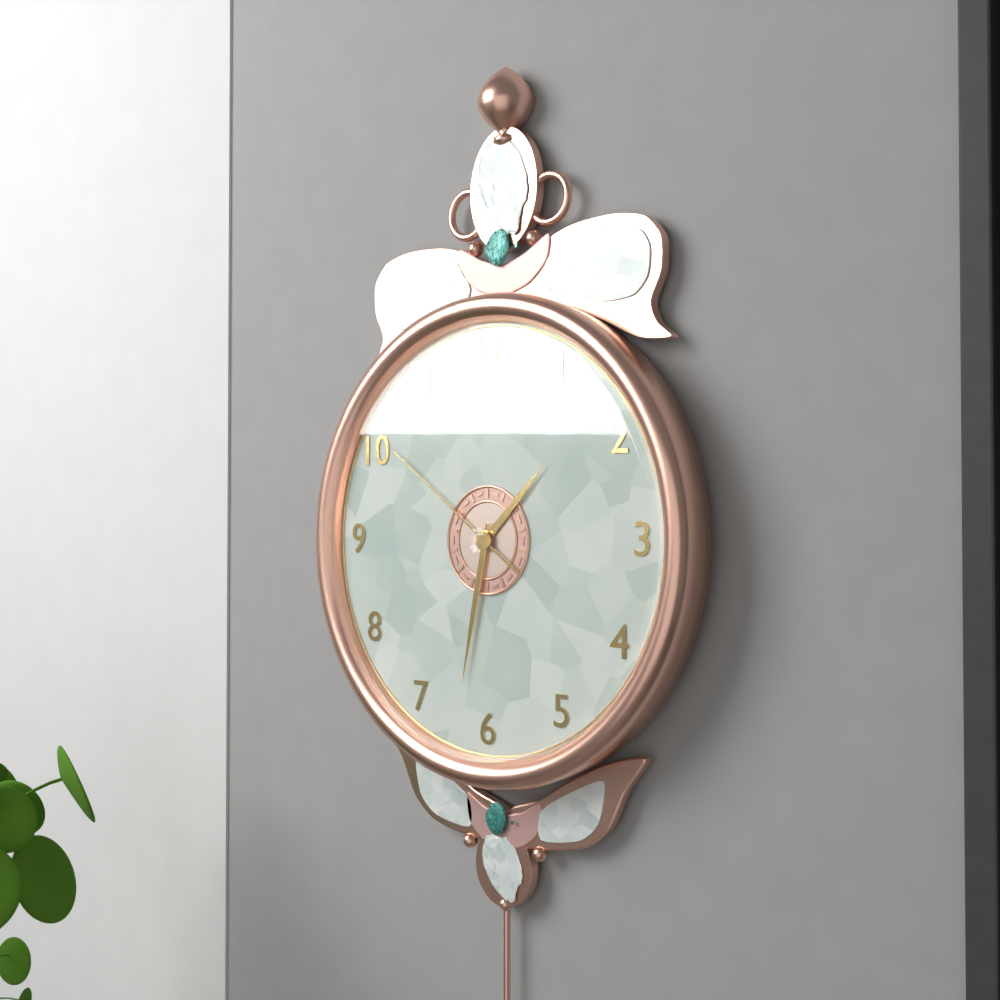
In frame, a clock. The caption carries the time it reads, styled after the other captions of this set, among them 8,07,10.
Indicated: 1,32,51
